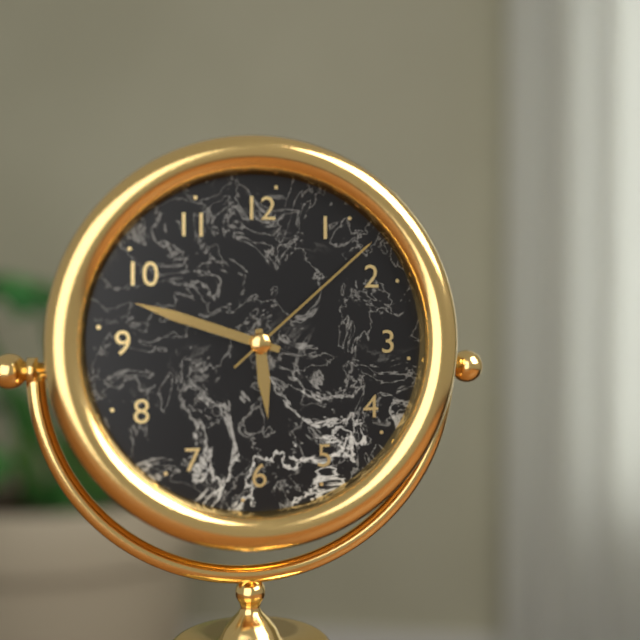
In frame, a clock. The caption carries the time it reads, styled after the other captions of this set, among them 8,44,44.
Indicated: 5,48,08
